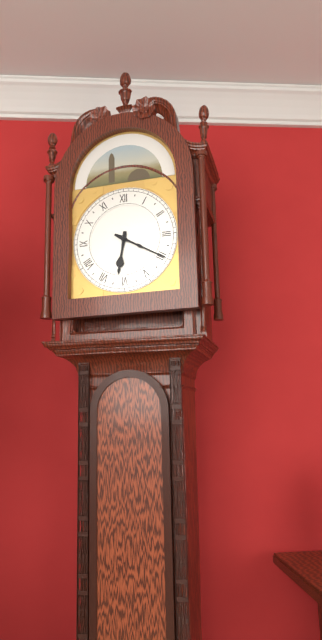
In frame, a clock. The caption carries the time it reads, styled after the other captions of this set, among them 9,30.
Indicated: 6,20
